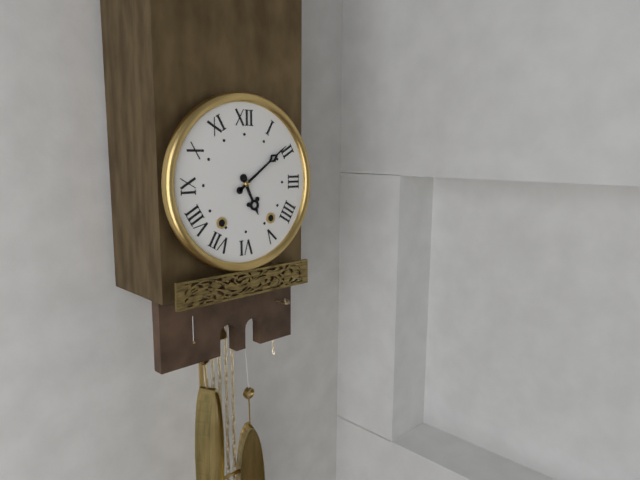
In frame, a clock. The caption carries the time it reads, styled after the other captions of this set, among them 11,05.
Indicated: 5,09
